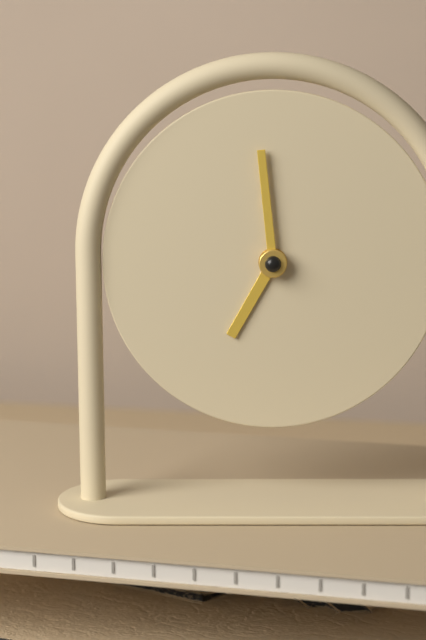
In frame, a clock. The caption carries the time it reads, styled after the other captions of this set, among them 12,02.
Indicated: 6,59
